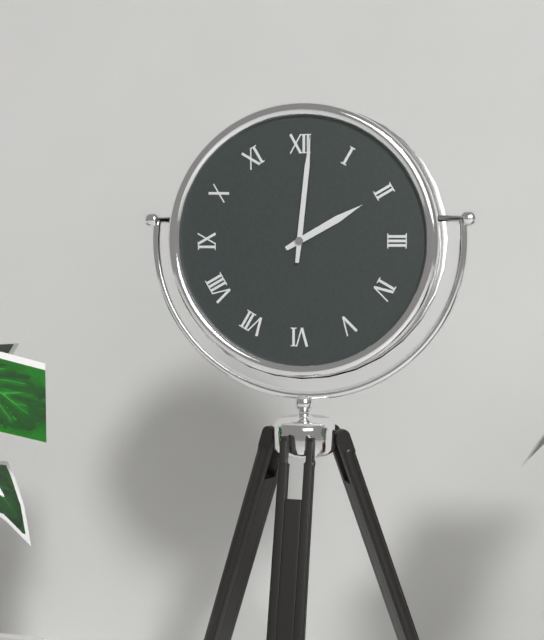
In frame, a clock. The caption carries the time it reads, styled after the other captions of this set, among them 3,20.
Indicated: 2,01
